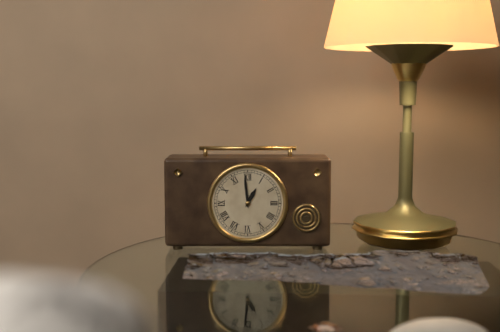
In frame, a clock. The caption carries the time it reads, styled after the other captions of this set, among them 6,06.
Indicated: 12,59
